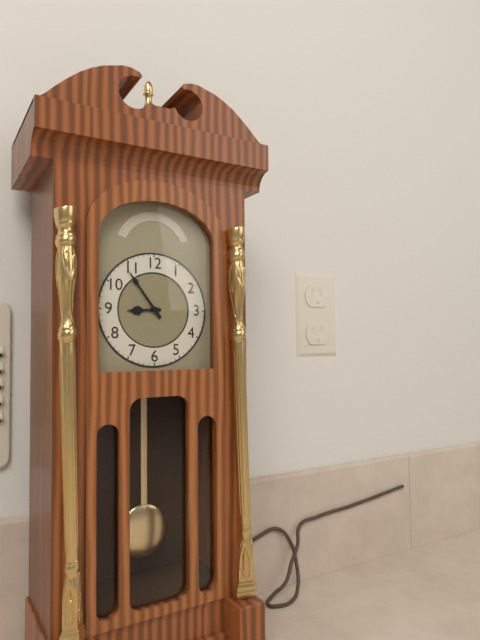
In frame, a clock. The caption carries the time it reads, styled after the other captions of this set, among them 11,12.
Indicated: 8,54
